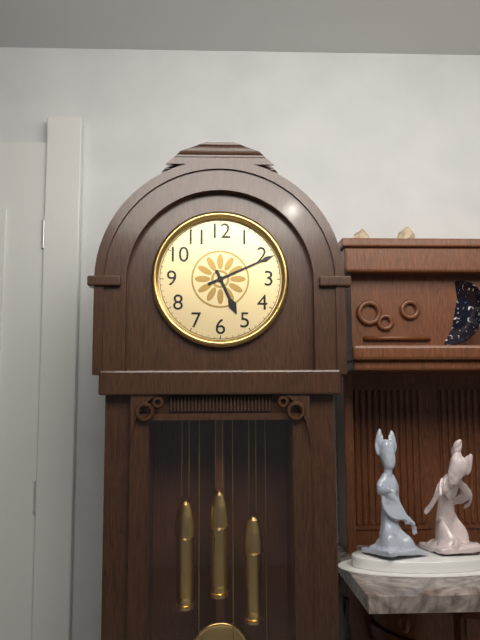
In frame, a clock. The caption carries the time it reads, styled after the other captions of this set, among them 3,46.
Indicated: 5,11
